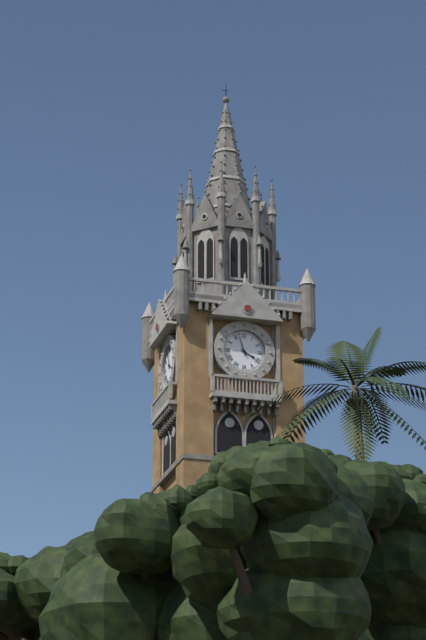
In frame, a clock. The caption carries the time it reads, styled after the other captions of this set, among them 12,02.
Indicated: 3,57
